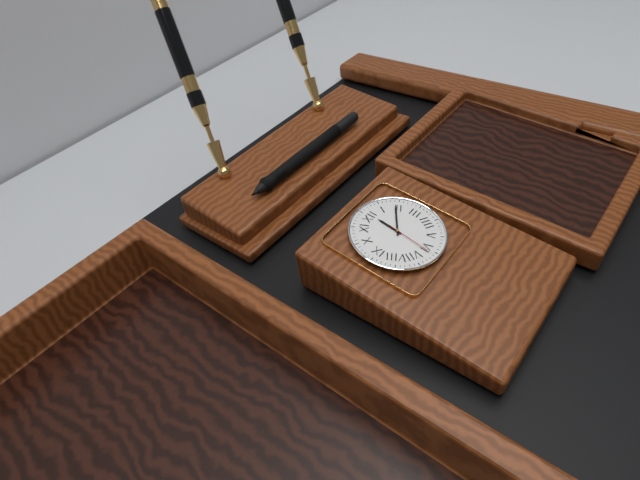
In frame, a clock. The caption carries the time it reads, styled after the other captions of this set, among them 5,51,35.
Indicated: 12,09,31
